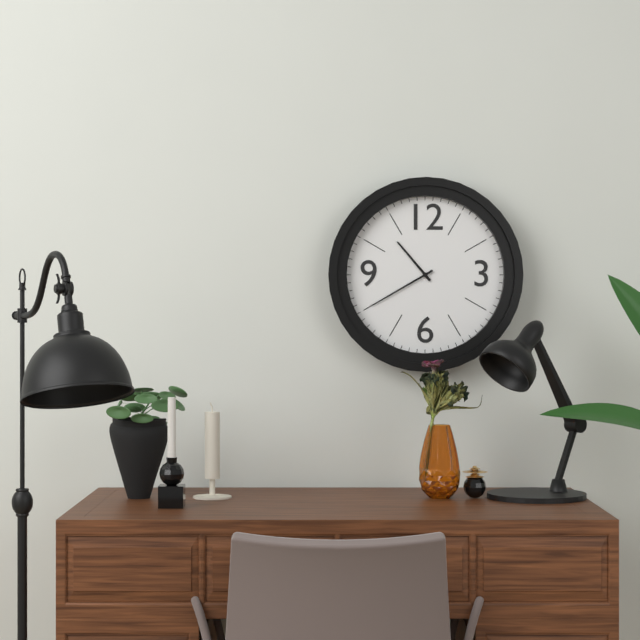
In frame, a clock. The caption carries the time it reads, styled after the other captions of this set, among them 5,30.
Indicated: 10,40
